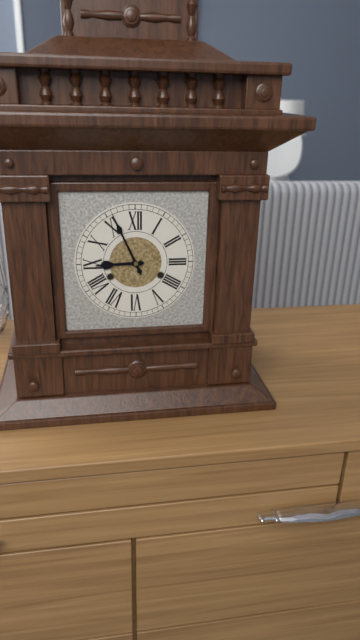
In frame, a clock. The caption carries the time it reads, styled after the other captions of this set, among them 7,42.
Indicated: 8,56
